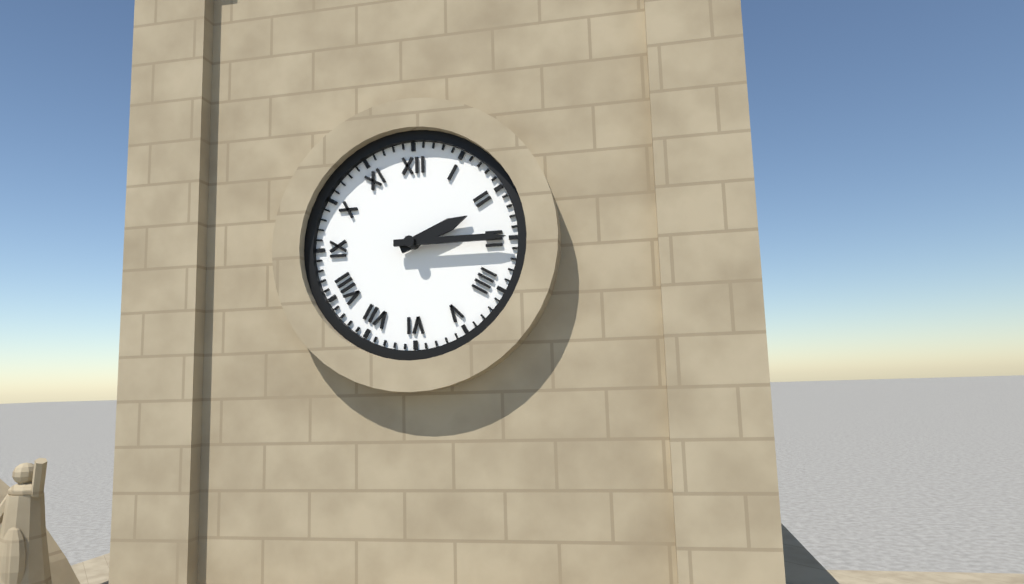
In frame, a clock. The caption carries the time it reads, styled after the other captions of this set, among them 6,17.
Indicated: 2,15
